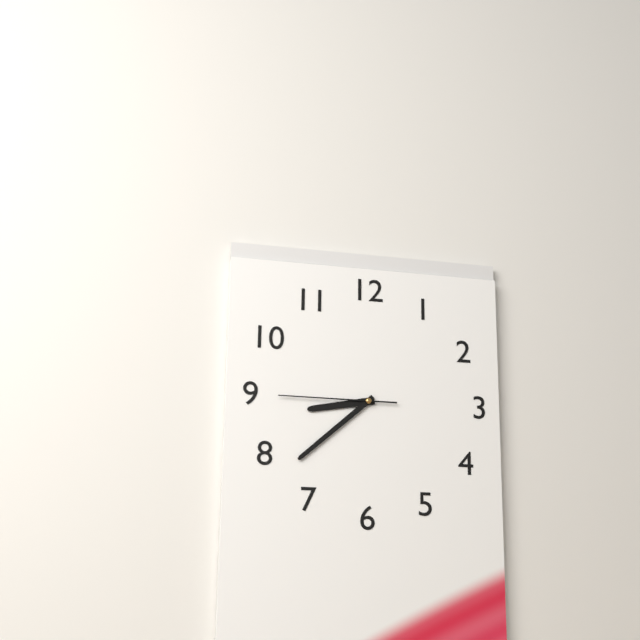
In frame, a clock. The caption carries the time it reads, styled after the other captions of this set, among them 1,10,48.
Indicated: 8,38,45
